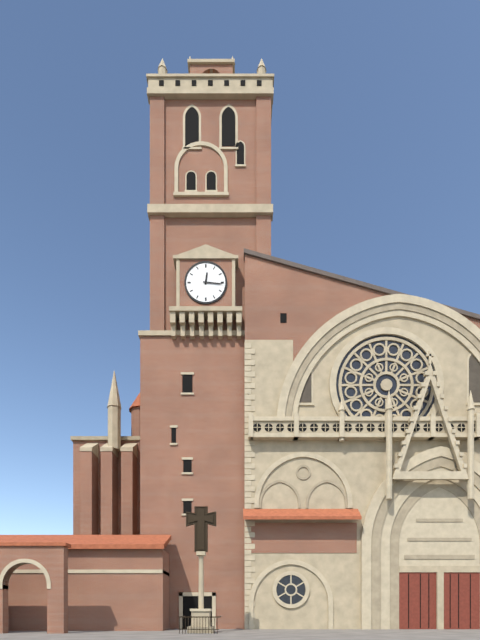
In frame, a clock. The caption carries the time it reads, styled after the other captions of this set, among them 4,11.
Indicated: 12,16
